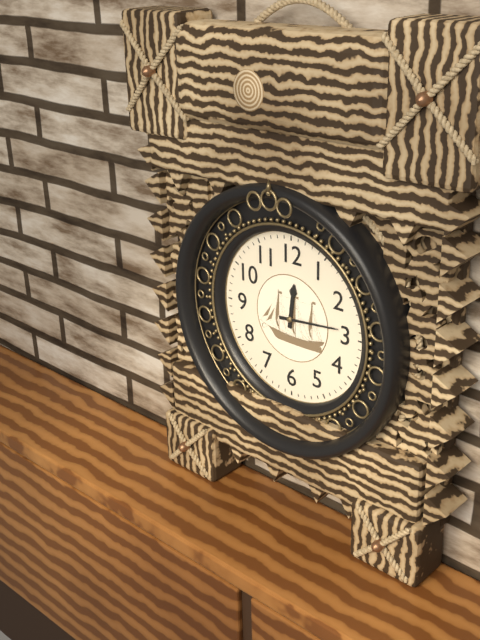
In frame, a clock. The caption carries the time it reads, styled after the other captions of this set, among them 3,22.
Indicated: 12,14
